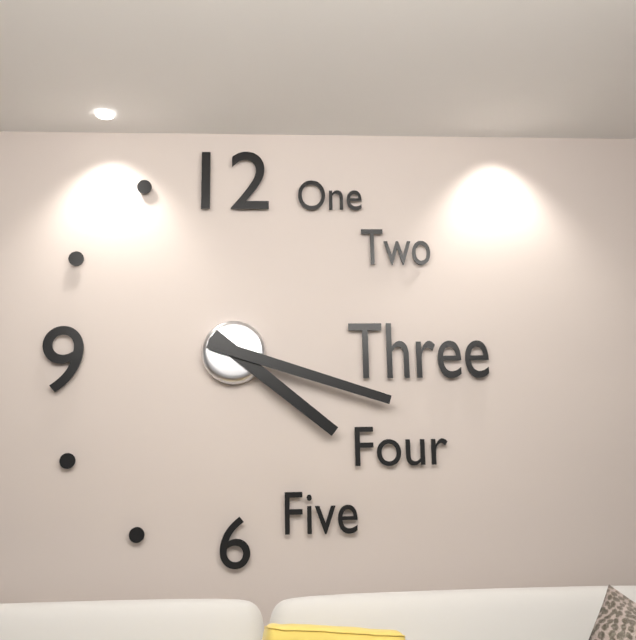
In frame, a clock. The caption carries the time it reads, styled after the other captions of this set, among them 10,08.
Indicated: 4,18
